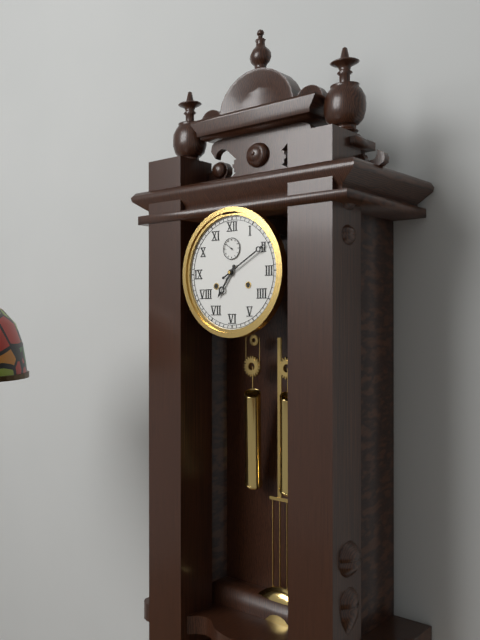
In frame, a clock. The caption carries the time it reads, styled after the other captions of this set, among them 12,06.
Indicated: 7,10
